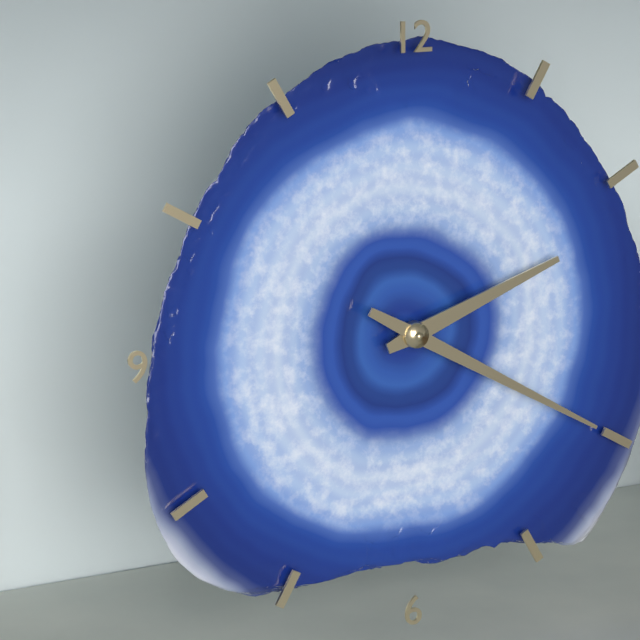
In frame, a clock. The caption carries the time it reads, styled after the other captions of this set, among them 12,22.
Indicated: 2,20
